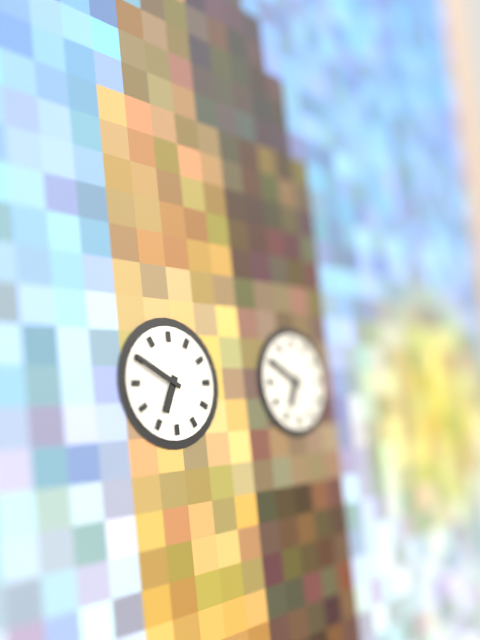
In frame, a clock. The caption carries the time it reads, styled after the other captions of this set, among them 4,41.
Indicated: 6,50
